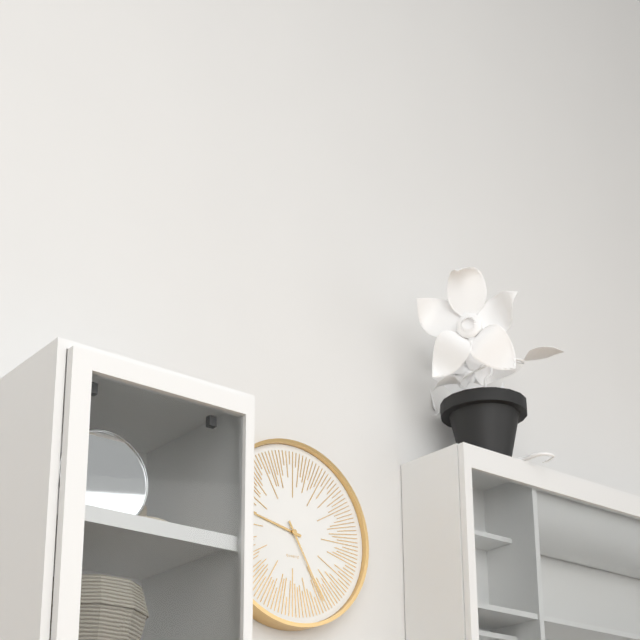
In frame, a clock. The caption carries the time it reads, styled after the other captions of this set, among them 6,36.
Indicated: 9,25
